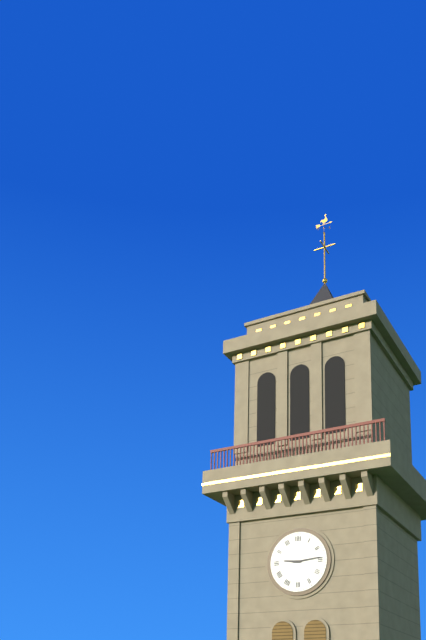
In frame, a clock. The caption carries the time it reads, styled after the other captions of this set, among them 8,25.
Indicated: 9,14
